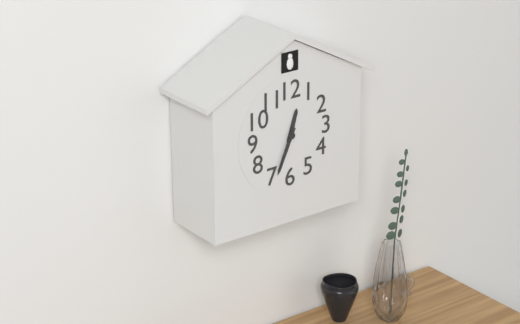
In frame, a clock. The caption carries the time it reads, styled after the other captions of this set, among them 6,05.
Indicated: 12,34
